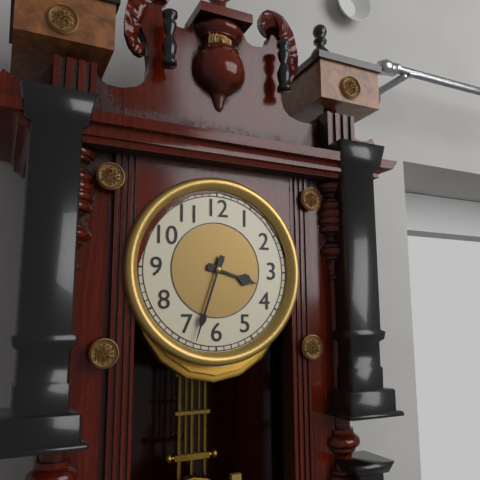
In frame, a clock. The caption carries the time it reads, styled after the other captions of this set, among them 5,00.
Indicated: 3,33
